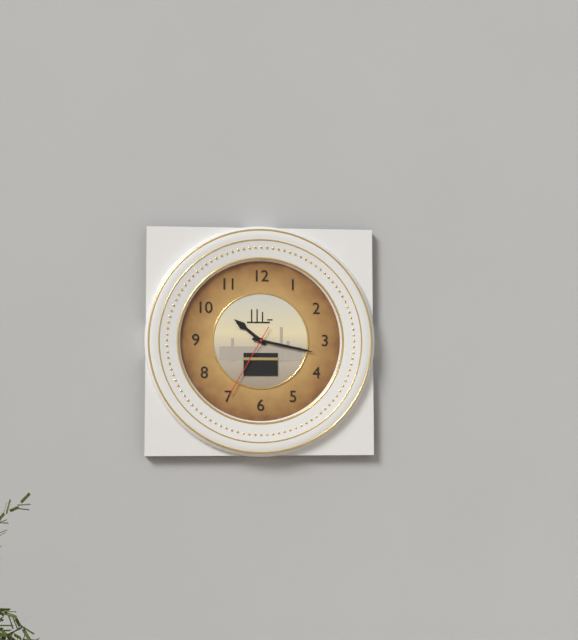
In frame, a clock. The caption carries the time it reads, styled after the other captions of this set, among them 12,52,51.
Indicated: 10,17,35
